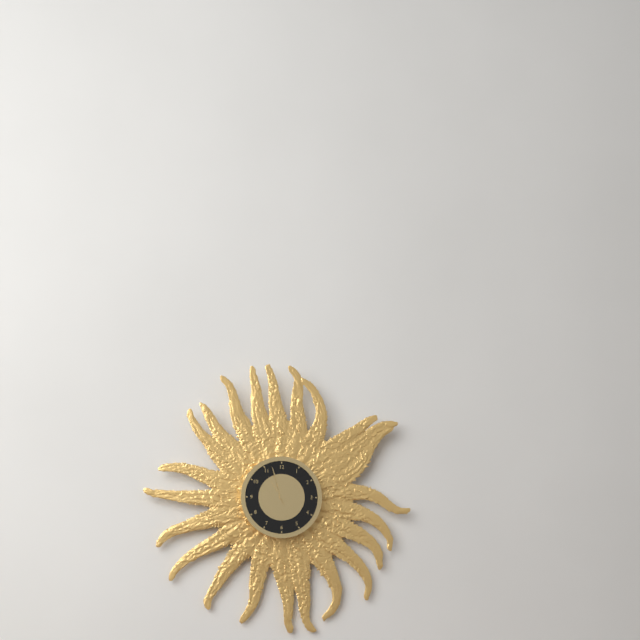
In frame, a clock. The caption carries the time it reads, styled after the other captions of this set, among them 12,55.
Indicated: 10,57
